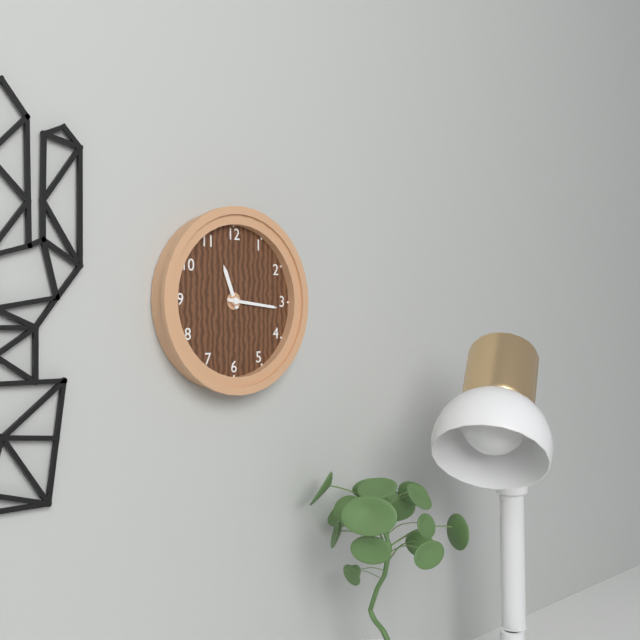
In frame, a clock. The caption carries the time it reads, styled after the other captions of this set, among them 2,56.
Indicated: 11,16
